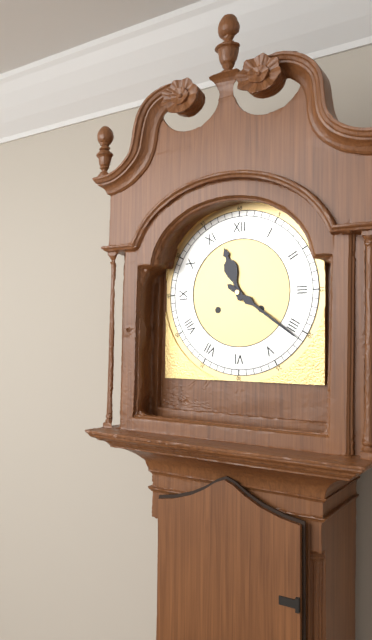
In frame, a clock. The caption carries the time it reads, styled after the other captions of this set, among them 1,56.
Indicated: 11,21
